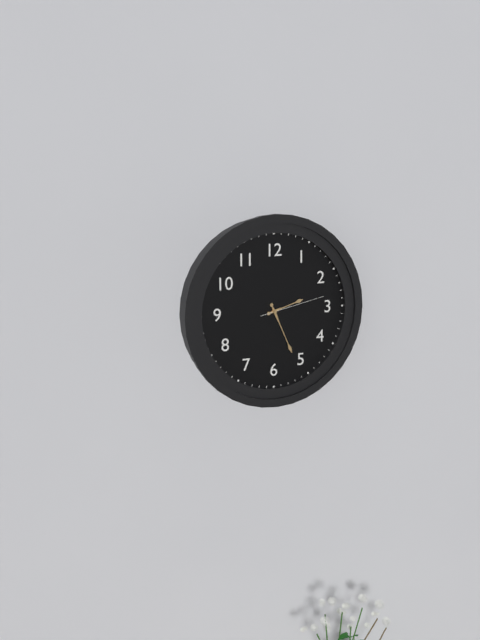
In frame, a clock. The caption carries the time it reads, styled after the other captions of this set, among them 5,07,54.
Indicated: 2,26,13
